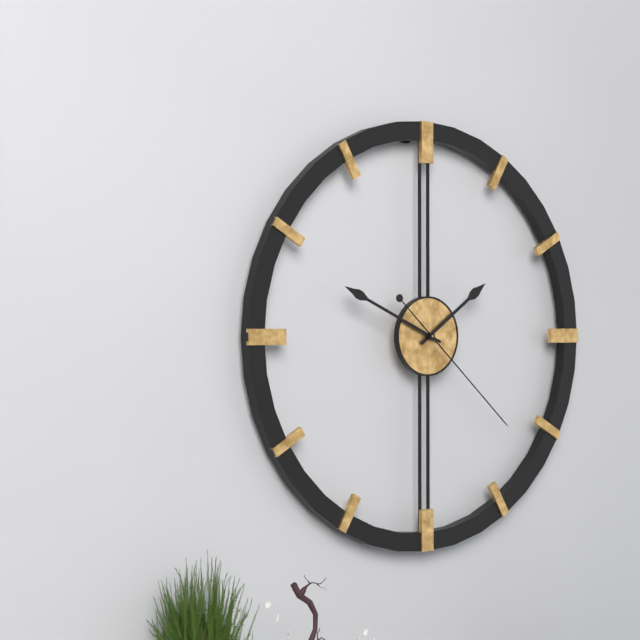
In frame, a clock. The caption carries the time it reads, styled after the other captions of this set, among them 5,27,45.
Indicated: 1,49,22
